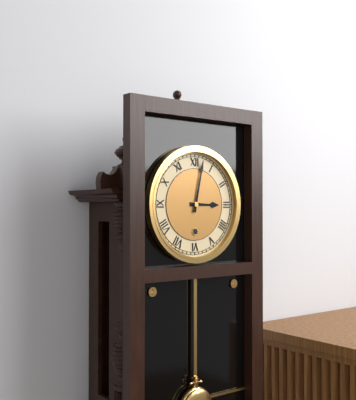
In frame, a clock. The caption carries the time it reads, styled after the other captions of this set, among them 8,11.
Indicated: 3,02
